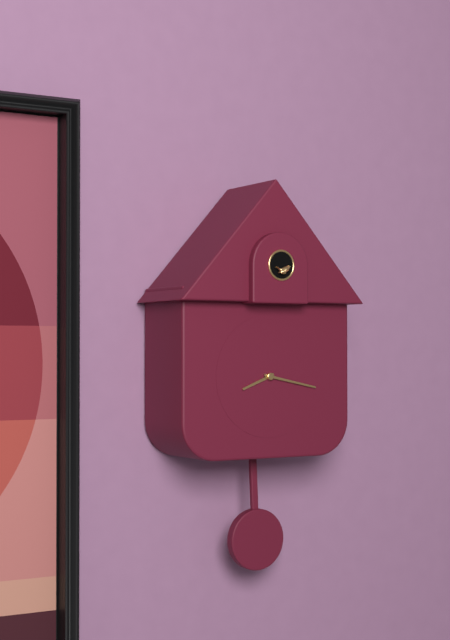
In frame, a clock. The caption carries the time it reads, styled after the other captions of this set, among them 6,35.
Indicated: 8,17
